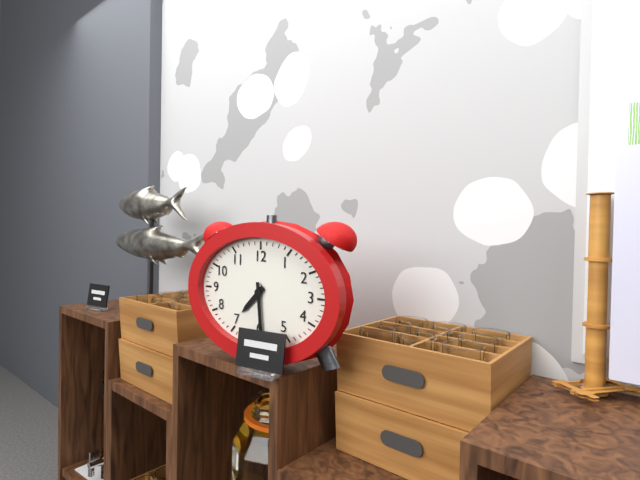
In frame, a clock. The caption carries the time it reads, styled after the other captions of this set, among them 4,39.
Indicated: 7,29
